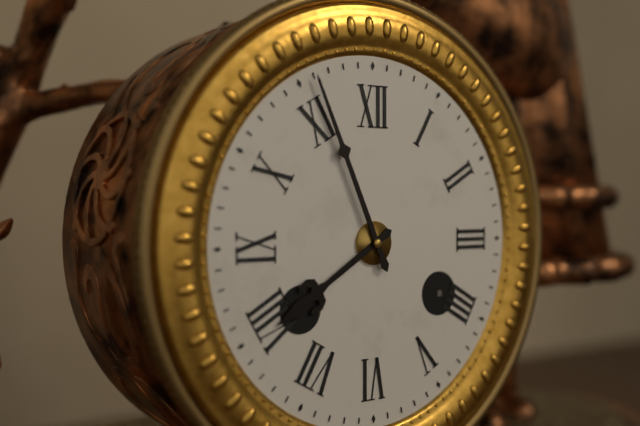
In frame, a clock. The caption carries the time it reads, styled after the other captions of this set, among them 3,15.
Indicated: 7,56
